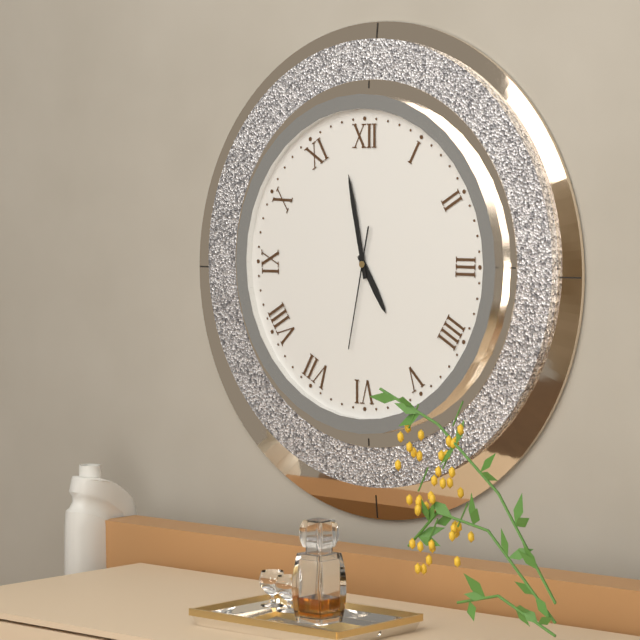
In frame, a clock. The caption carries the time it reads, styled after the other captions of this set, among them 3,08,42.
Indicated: 4,58,32
